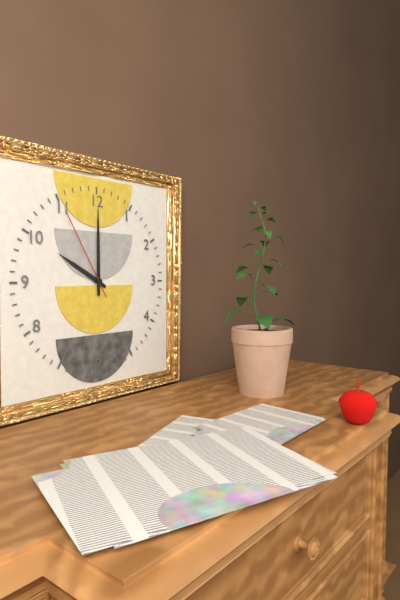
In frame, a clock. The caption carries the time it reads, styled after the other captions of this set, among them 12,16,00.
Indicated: 10,00,55
